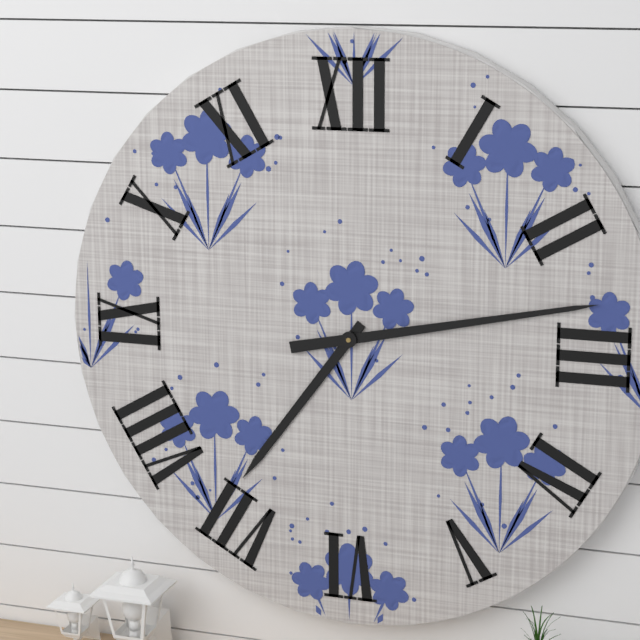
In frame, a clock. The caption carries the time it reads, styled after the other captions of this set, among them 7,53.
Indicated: 7,13
